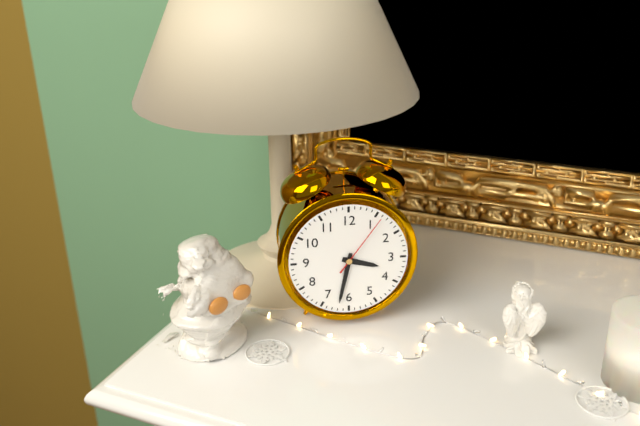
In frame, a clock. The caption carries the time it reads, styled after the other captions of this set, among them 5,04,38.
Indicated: 3,32,06
